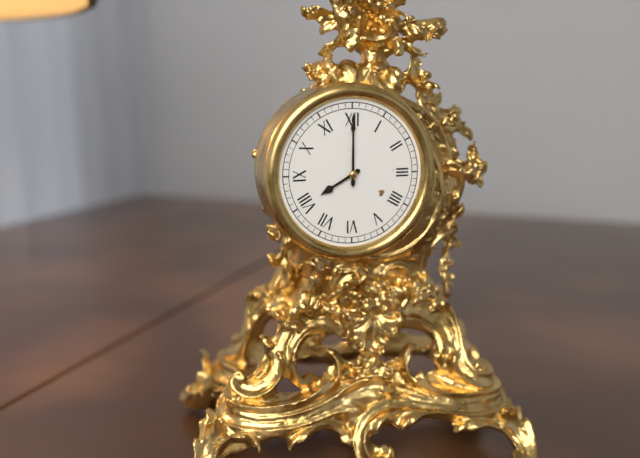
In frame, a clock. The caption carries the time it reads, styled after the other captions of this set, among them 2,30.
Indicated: 8,00
